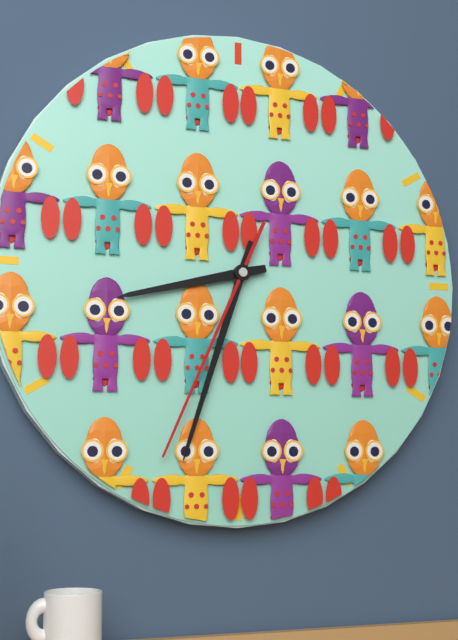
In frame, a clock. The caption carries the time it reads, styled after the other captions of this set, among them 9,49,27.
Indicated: 8,33,34
